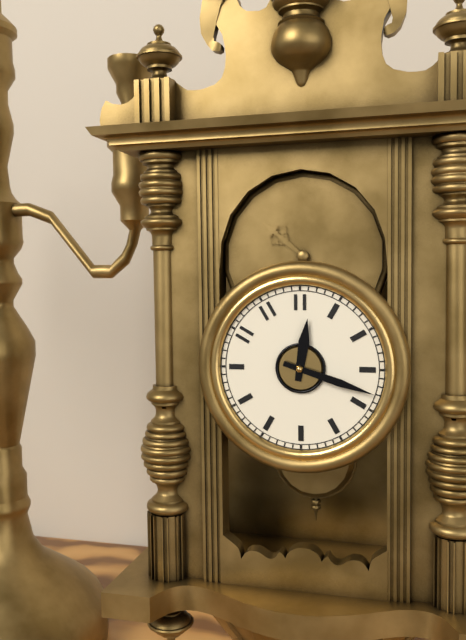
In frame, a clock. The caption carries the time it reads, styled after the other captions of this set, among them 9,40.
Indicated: 12,18
